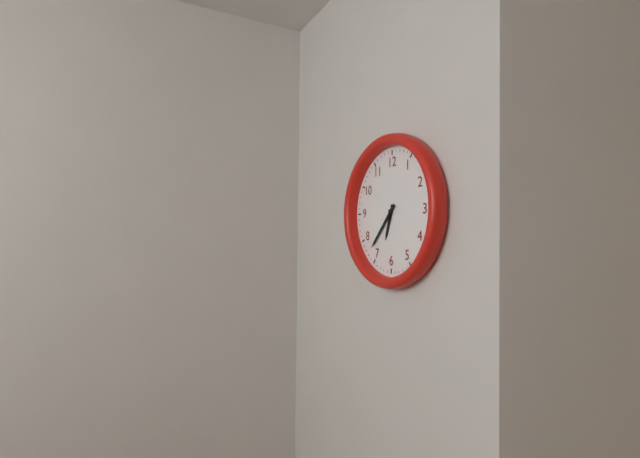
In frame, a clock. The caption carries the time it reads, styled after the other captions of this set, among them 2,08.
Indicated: 6,37
